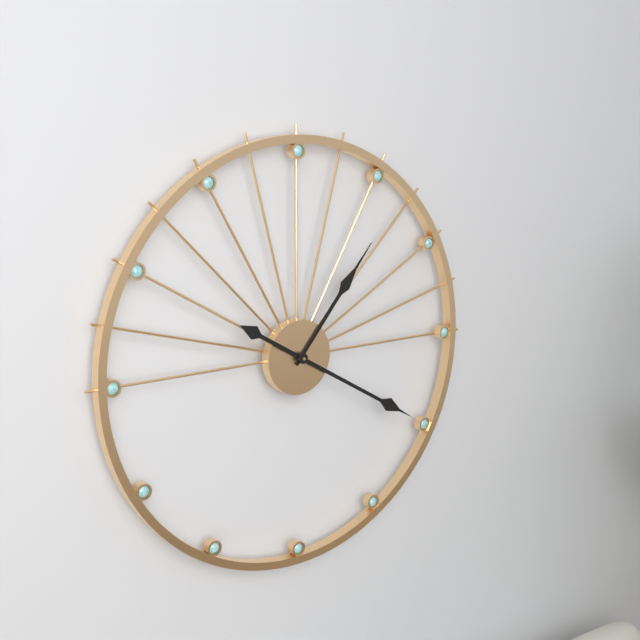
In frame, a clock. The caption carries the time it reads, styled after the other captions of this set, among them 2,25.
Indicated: 1,20
